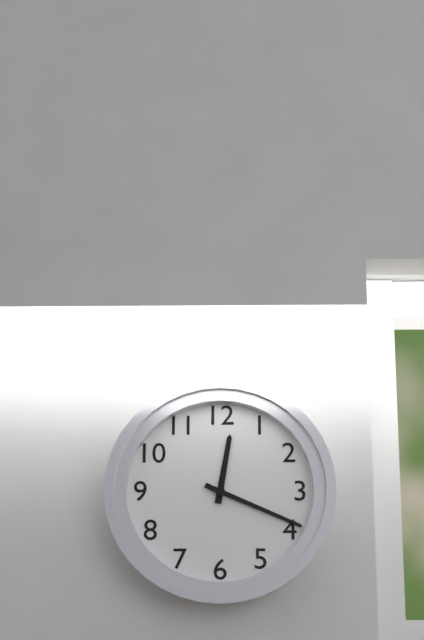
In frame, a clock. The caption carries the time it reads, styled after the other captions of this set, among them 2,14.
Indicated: 12,19
